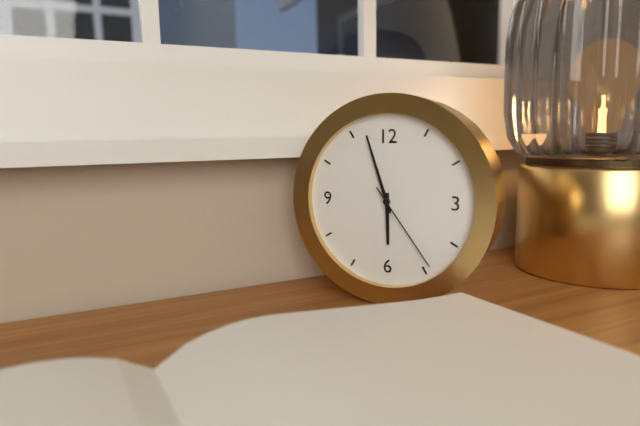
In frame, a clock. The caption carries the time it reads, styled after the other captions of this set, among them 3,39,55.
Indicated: 5,57,24
